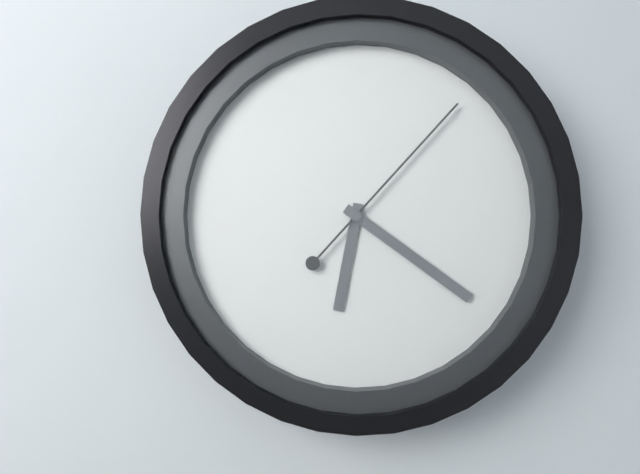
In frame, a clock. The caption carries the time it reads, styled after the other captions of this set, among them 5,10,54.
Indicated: 6,21,07
